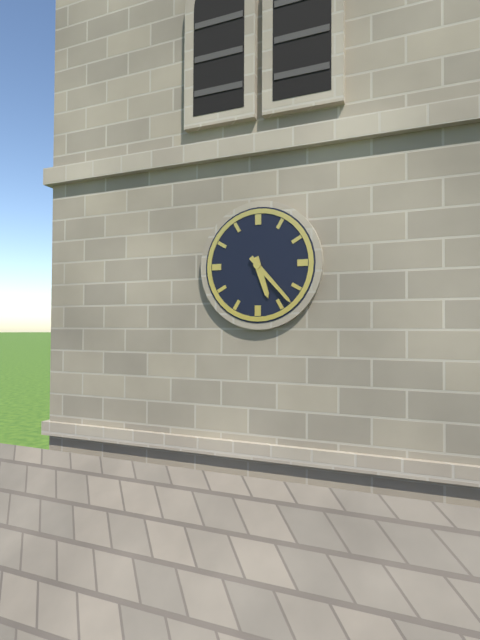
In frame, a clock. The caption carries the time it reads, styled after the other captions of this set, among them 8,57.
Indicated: 5,23
